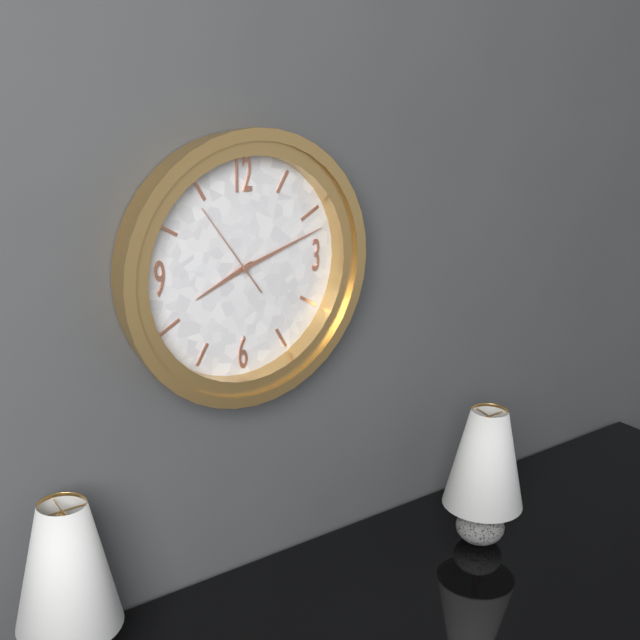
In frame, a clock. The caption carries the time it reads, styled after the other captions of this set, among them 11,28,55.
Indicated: 8,12,54
